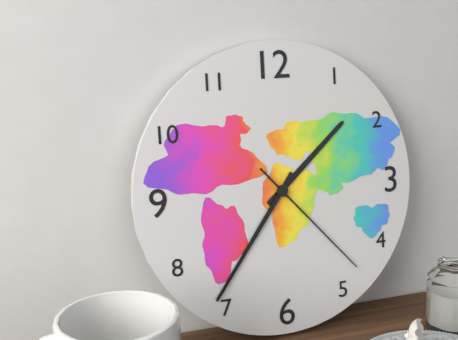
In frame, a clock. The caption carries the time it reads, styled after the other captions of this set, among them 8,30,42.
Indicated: 1,36,23
